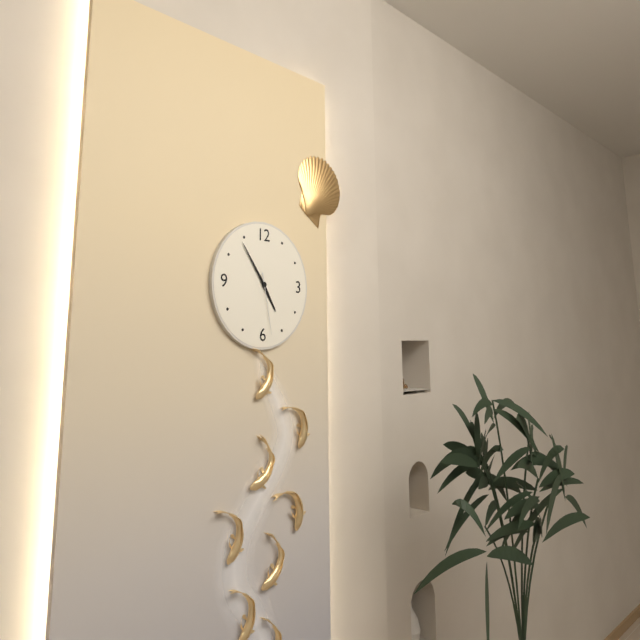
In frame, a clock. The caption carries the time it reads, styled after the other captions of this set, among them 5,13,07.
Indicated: 4,54,28
